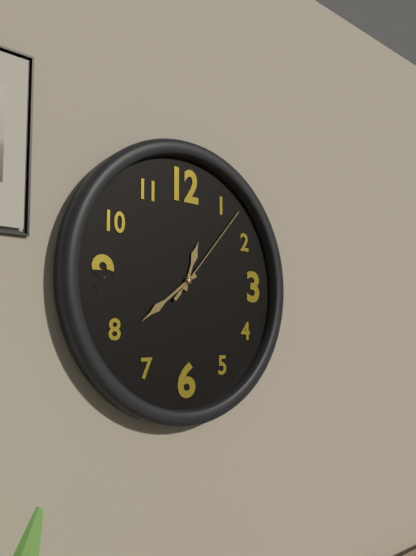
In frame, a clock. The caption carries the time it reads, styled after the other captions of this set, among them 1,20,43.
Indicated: 12,39,07
